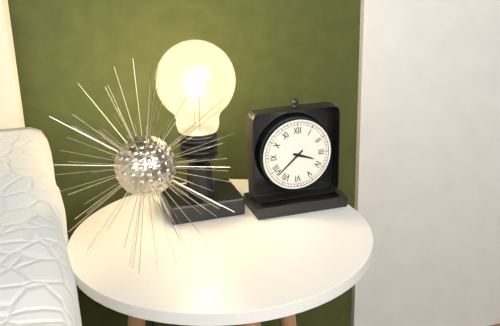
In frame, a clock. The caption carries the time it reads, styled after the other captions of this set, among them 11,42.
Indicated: 3,38
